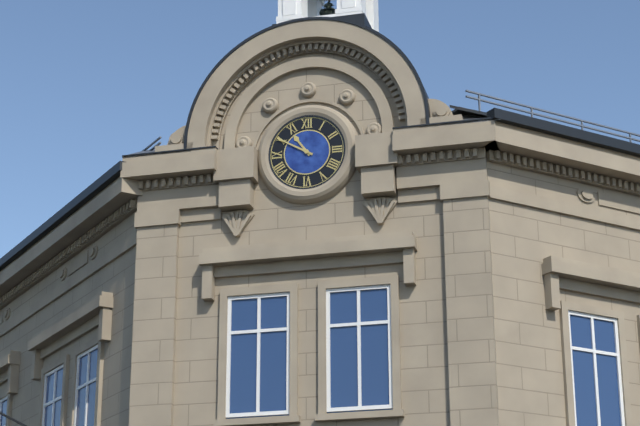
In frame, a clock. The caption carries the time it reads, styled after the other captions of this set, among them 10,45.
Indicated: 10,50
